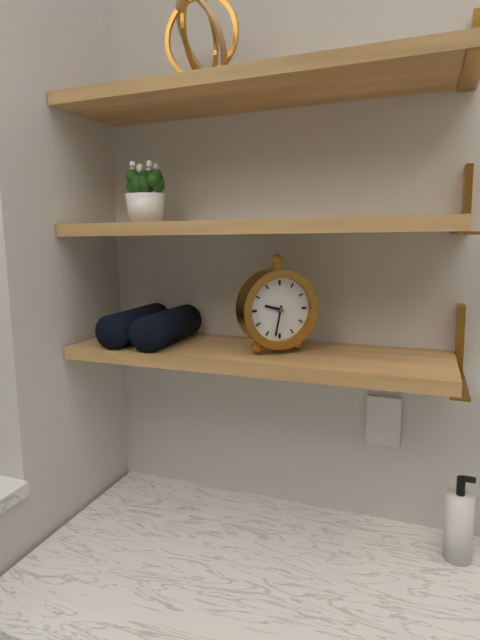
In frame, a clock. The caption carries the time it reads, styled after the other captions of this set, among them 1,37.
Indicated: 9,32
